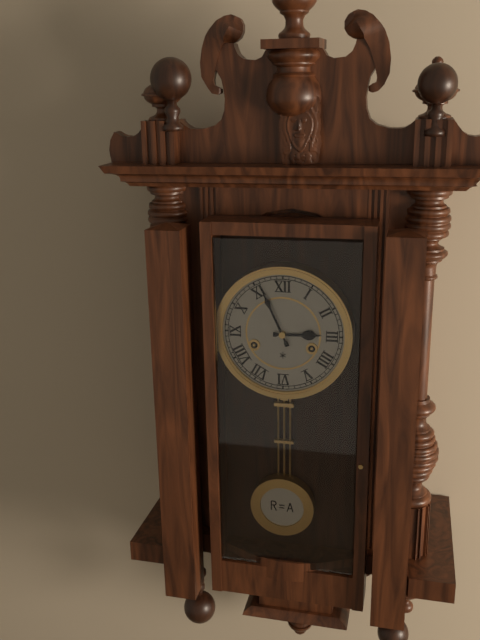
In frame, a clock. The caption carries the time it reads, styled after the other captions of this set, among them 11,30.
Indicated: 2,56
